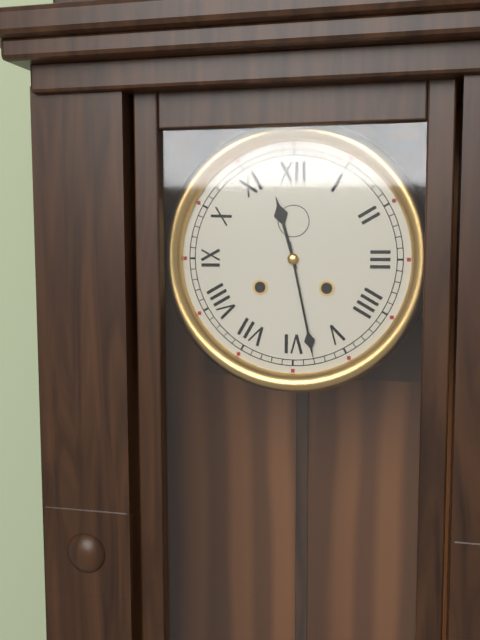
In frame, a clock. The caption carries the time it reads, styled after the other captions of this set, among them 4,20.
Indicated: 11,28
